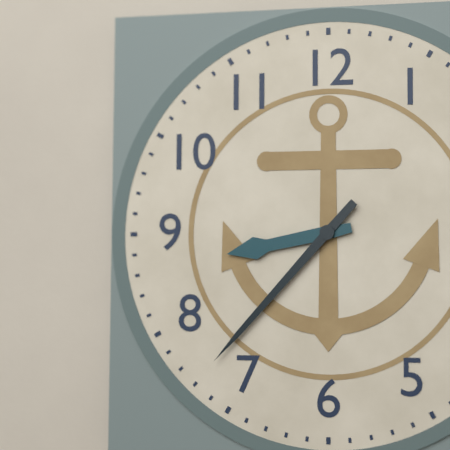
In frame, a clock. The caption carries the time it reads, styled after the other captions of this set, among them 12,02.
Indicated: 8,37
